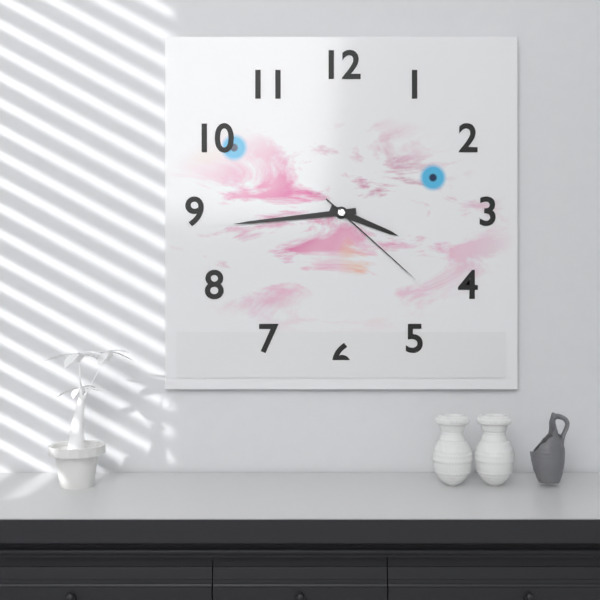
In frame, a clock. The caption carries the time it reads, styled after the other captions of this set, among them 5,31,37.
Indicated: 3,44,22
